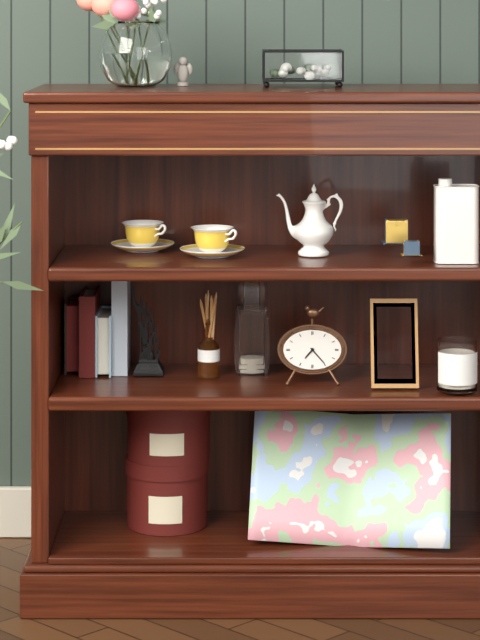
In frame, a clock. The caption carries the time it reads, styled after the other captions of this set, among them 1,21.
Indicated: 7,23
